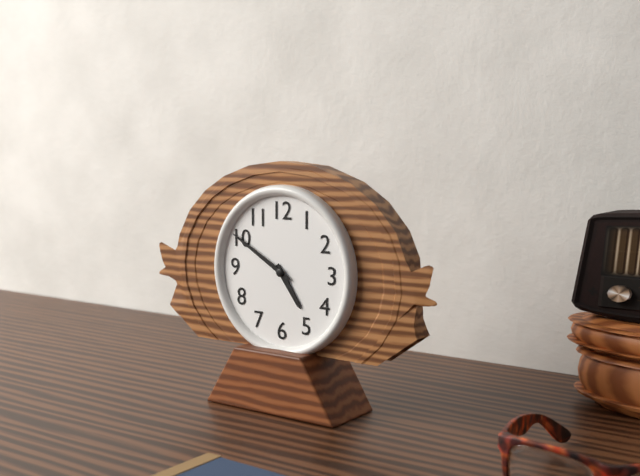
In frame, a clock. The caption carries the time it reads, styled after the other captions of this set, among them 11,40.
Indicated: 4,50
